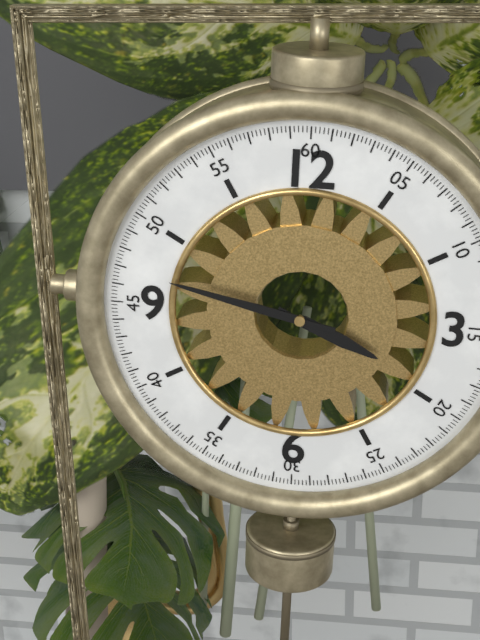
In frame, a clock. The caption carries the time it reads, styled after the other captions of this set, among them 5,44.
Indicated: 3,47
